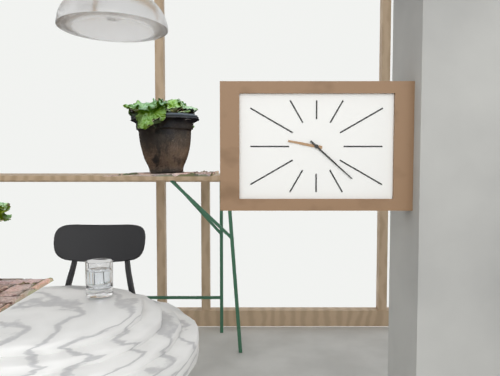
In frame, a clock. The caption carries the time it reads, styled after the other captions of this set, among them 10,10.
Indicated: 9,22
